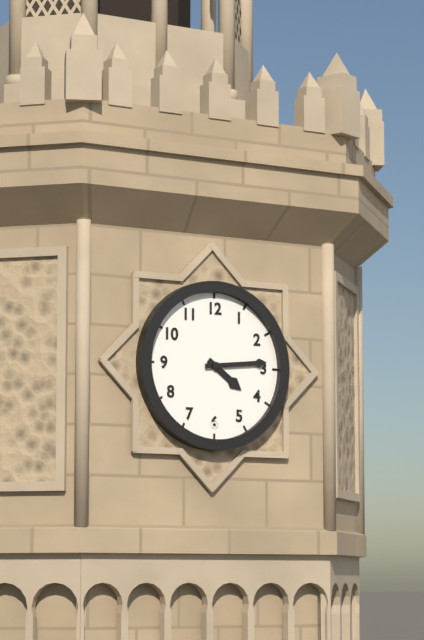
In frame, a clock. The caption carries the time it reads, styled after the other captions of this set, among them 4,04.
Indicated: 4,14
